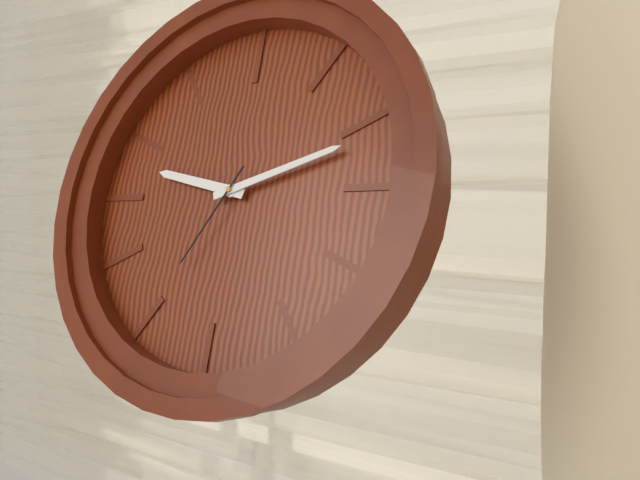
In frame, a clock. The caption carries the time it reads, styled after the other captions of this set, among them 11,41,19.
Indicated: 12,27,50
